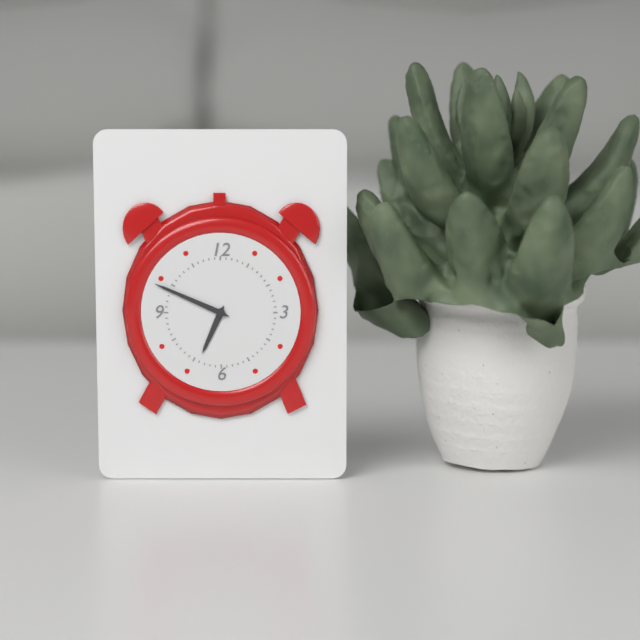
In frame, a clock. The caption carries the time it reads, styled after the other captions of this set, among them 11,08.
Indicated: 6,49
